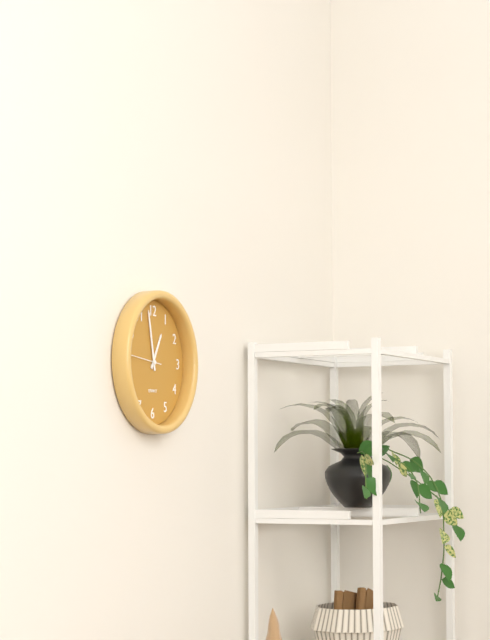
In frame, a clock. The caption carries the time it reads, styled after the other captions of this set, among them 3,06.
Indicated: 12,58
